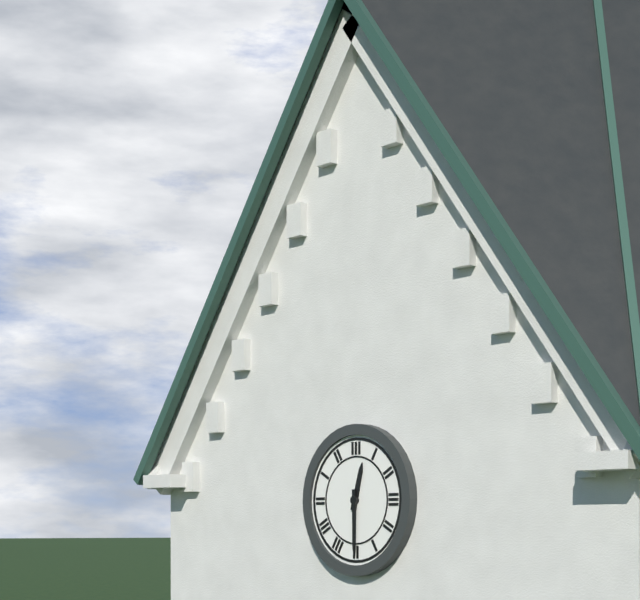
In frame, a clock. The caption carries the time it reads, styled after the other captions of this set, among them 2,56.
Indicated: 12,30
